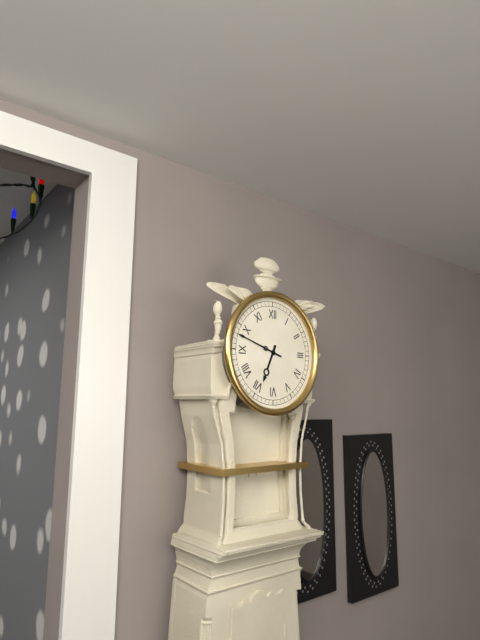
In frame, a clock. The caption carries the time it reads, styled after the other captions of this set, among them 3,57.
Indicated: 6,48
